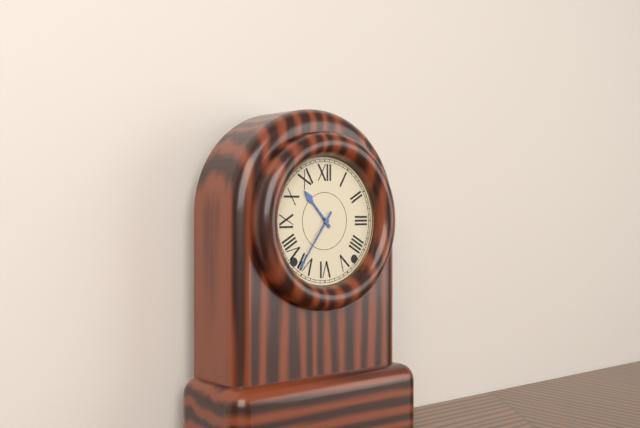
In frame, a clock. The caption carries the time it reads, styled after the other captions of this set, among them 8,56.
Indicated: 10,36
